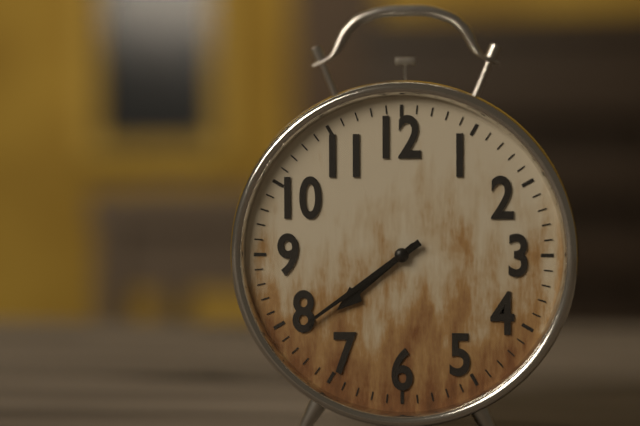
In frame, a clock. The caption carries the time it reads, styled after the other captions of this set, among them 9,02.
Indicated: 7,39
